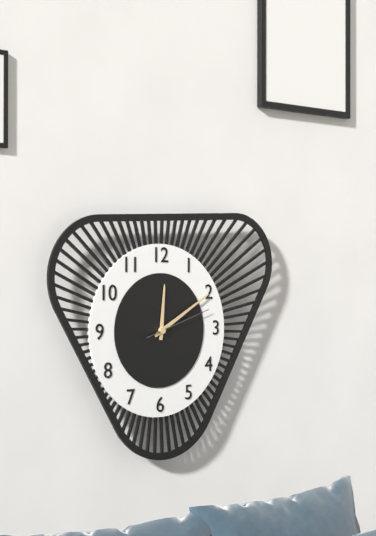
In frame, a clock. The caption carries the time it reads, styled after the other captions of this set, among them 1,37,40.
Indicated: 12,10,12
